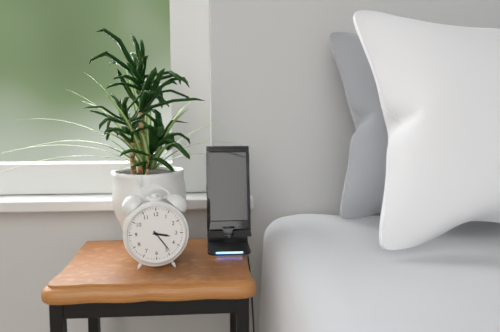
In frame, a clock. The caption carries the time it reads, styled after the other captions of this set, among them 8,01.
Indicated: 3,24
